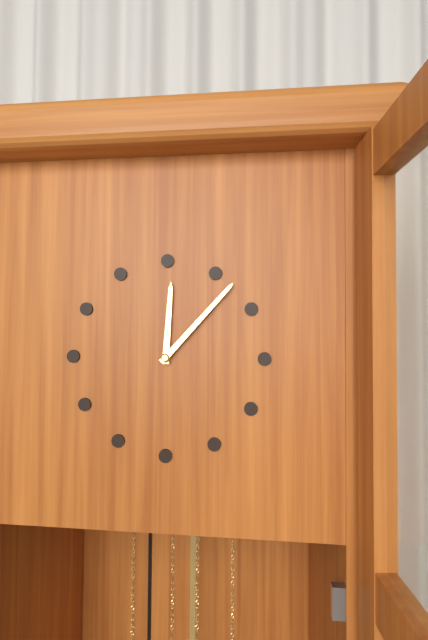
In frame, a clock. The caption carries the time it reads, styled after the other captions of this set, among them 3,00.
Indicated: 12,07
